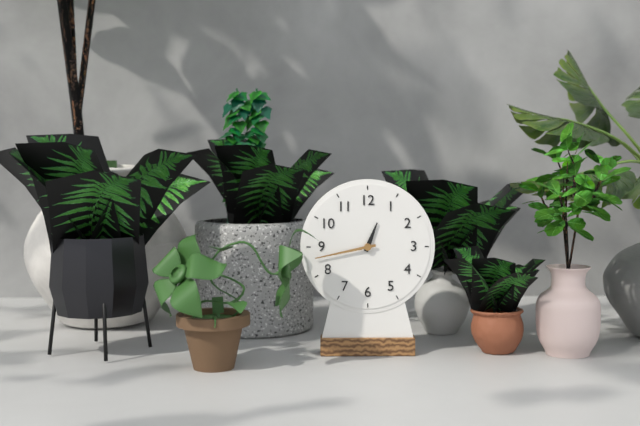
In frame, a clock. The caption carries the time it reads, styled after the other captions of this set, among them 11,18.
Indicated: 12,43
